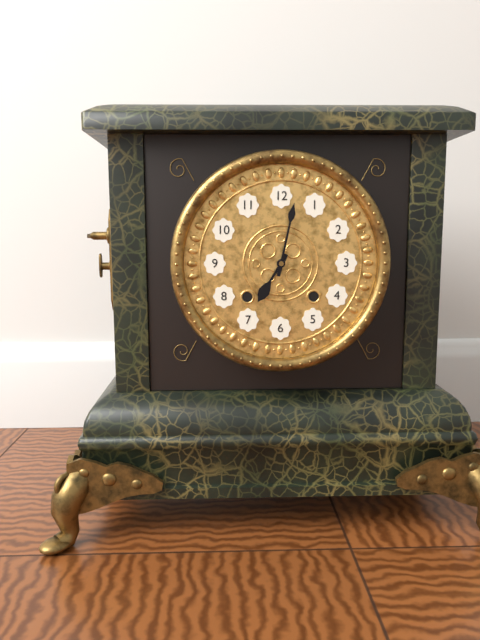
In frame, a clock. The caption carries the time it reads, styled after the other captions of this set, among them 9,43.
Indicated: 7,02
